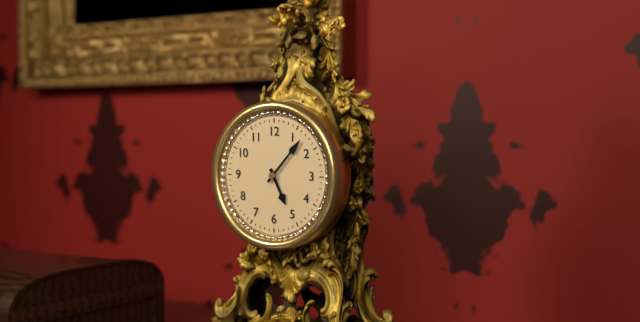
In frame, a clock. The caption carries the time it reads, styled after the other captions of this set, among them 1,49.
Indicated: 5,07
